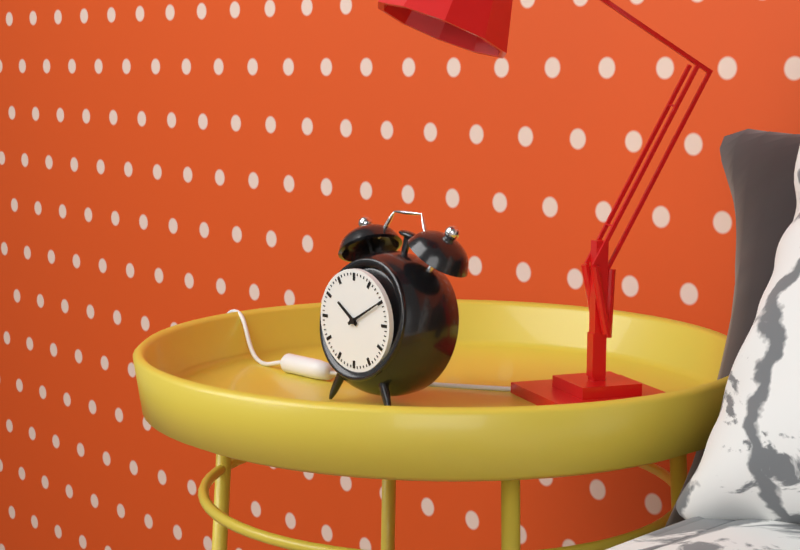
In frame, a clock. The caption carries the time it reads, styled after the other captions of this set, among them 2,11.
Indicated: 10,10
